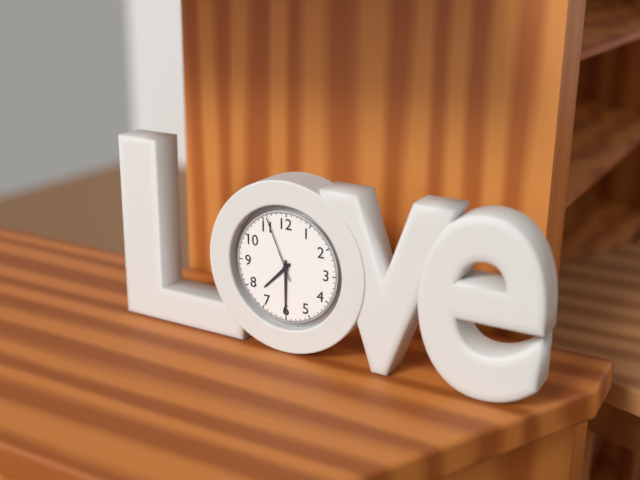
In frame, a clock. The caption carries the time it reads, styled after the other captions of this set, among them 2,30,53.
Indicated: 7,30,56
